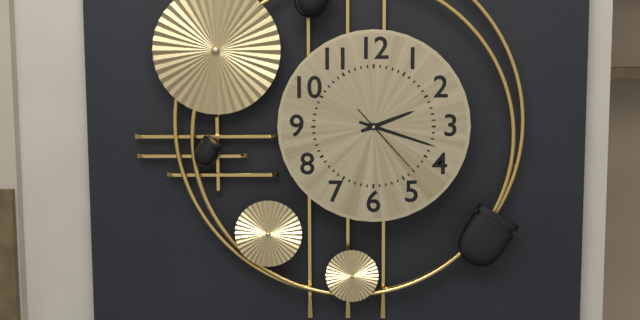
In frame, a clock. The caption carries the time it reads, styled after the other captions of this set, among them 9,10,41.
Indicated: 2,18,23
